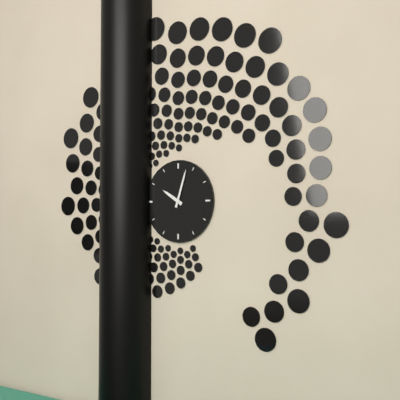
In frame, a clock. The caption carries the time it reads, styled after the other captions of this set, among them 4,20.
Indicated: 10,03
